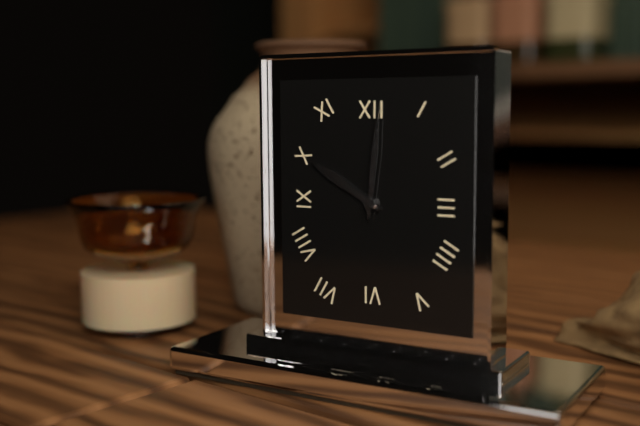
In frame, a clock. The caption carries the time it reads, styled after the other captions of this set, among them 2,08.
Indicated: 10,01
